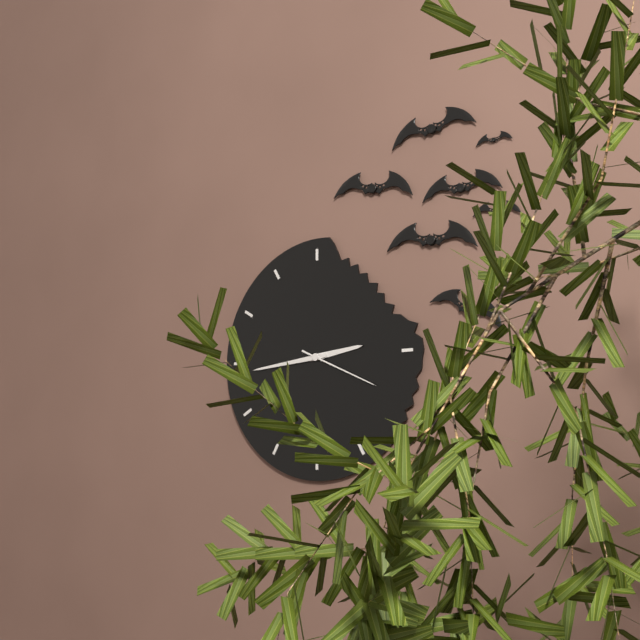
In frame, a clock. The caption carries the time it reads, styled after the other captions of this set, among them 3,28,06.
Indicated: 2,44,19
